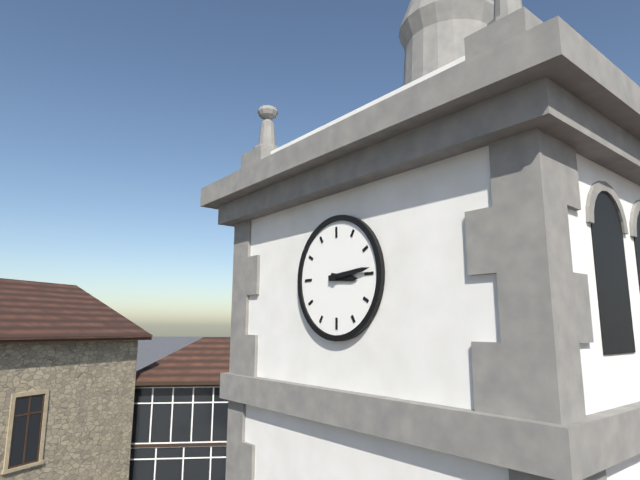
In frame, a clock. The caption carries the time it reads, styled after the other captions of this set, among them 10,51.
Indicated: 3,14
